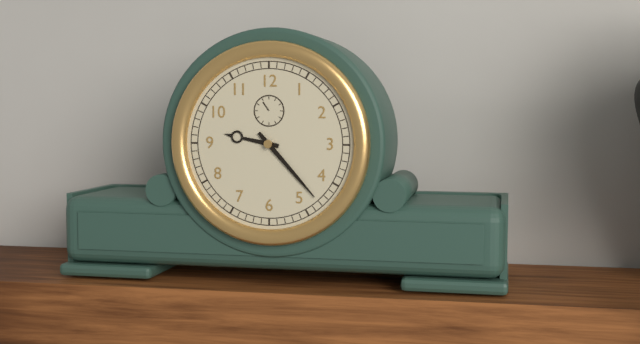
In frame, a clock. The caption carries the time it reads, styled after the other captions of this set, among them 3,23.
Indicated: 9,23
